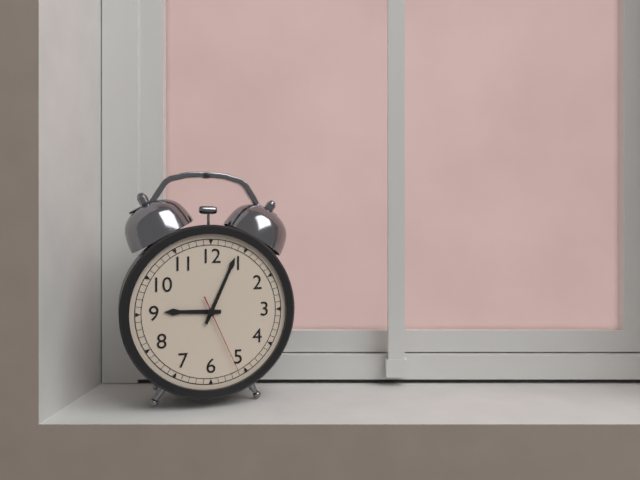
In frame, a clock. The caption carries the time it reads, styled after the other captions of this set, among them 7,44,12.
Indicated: 9,04,26
